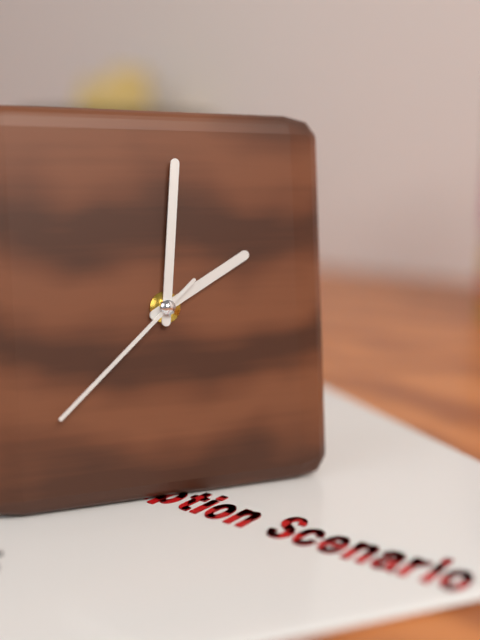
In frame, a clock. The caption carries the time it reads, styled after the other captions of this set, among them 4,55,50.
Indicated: 2,01,38
